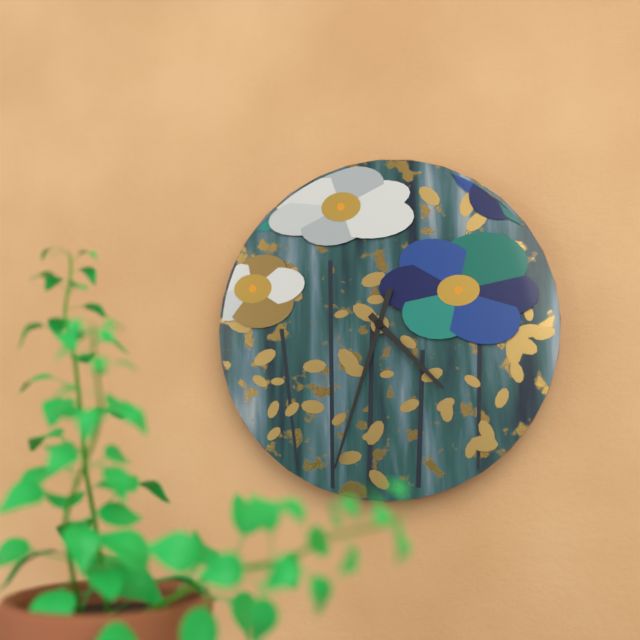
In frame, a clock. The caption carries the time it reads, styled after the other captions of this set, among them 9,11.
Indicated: 4,33
